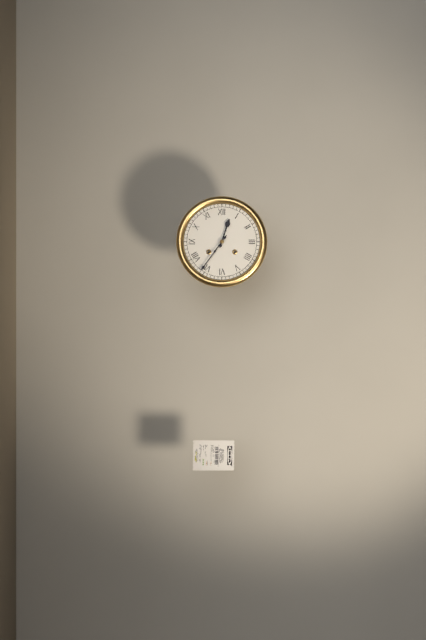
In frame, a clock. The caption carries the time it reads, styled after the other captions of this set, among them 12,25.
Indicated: 12,36
